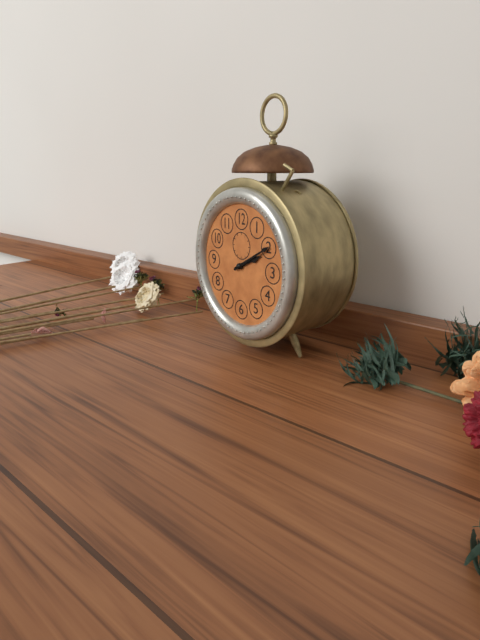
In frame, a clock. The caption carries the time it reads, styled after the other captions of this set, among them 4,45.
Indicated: 2,10
